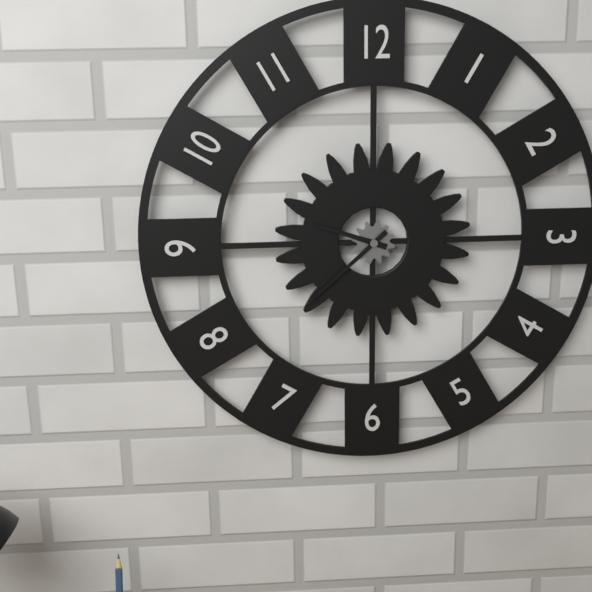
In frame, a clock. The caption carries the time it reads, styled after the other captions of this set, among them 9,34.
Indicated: 9,38
